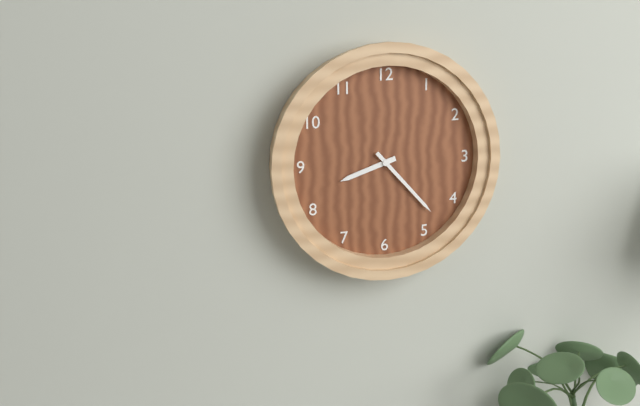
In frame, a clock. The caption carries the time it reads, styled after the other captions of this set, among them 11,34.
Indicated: 8,23
